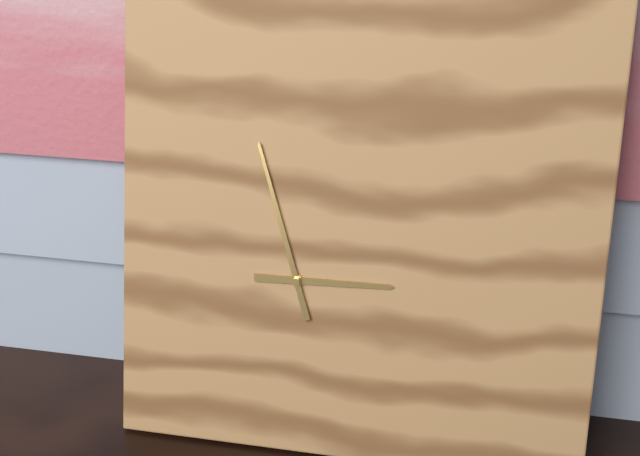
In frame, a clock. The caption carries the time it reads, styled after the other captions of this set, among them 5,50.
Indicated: 2,57
